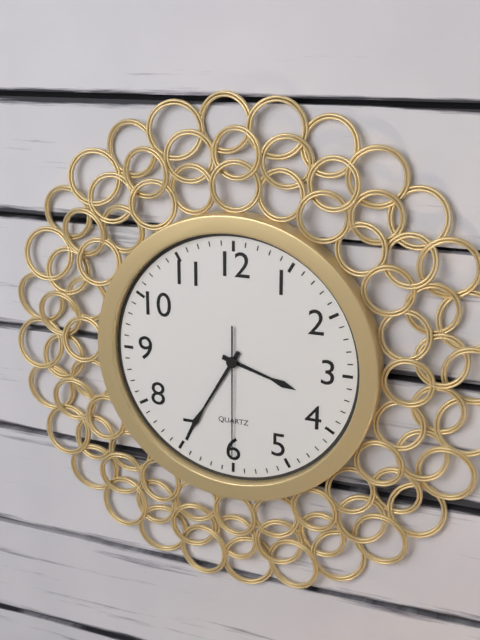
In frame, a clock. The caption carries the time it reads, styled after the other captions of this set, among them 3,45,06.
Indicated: 3,35,30
